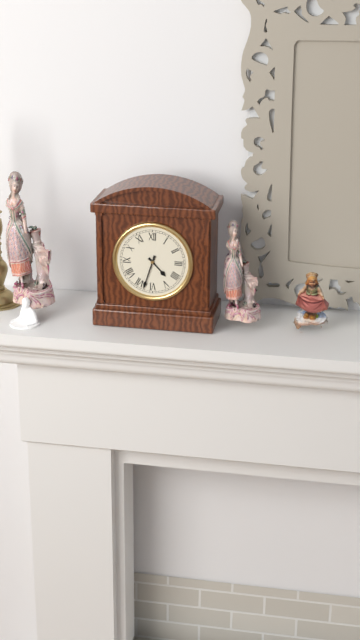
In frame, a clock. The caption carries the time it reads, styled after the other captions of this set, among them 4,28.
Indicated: 4,33
